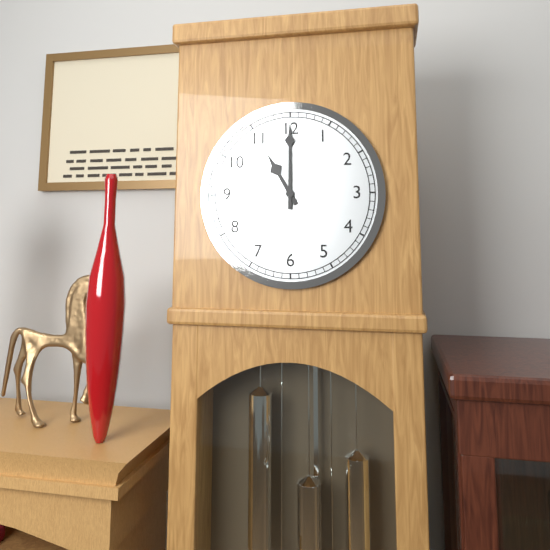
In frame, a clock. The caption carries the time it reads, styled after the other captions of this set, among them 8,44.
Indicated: 11,00
